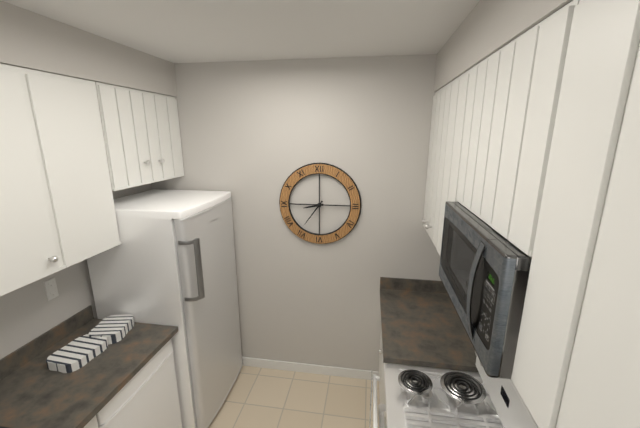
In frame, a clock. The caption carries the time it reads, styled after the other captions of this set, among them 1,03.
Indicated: 8,36
